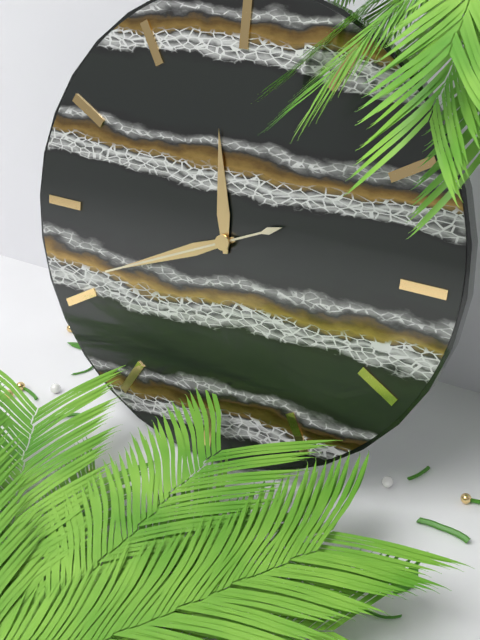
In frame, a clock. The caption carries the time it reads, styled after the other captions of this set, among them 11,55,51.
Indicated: 11,41,41
